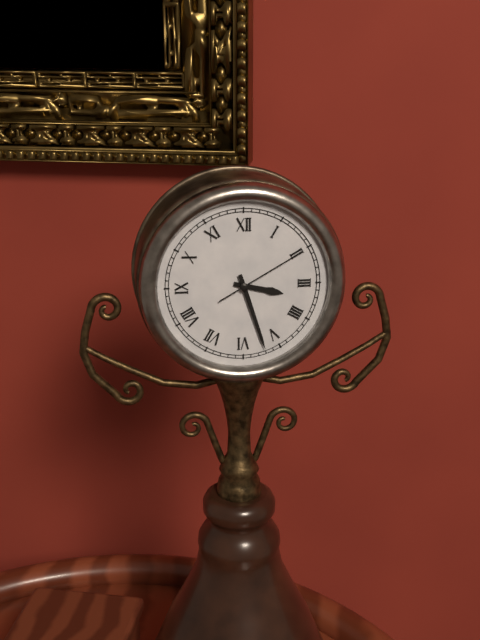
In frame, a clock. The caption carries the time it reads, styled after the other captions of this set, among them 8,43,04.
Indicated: 3,27,10
